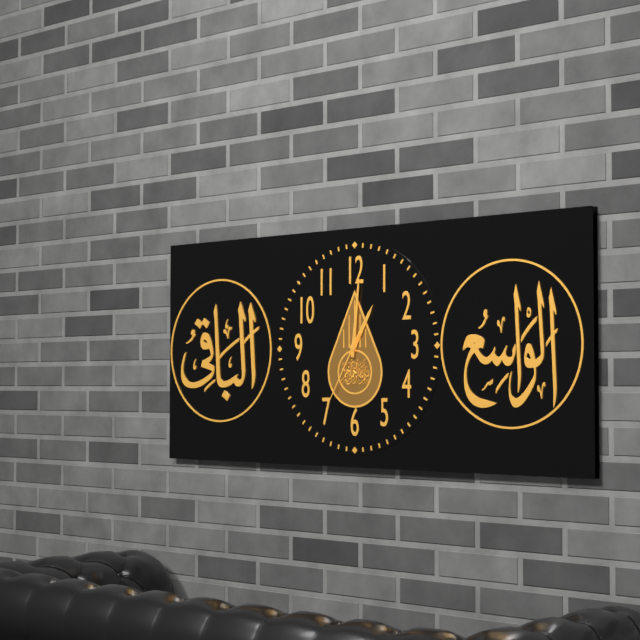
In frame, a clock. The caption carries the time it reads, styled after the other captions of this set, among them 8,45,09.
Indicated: 1,01,35
